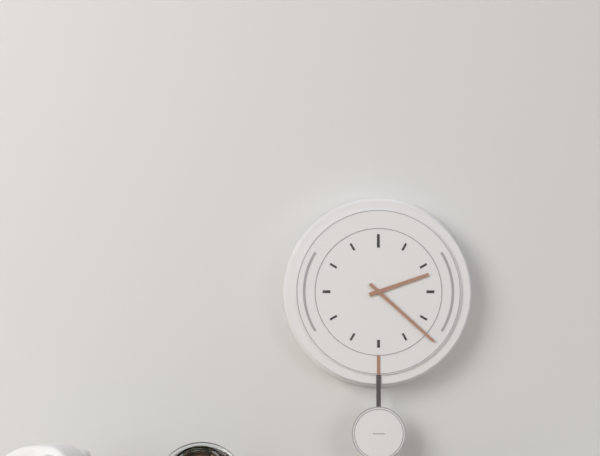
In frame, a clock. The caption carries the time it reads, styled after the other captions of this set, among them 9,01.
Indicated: 2,22
